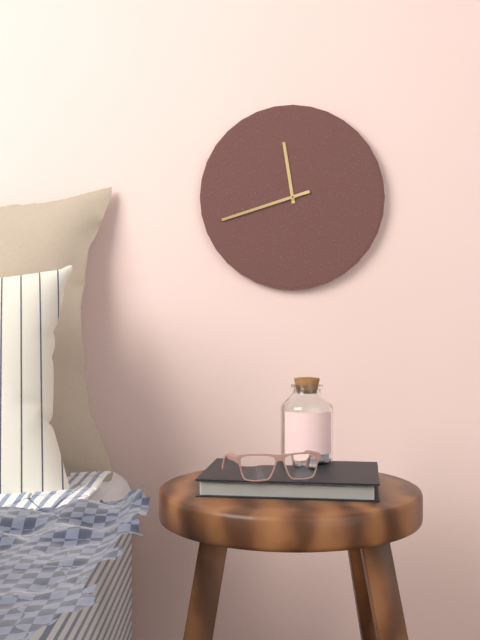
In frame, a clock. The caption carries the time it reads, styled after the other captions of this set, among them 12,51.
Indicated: 11,42
